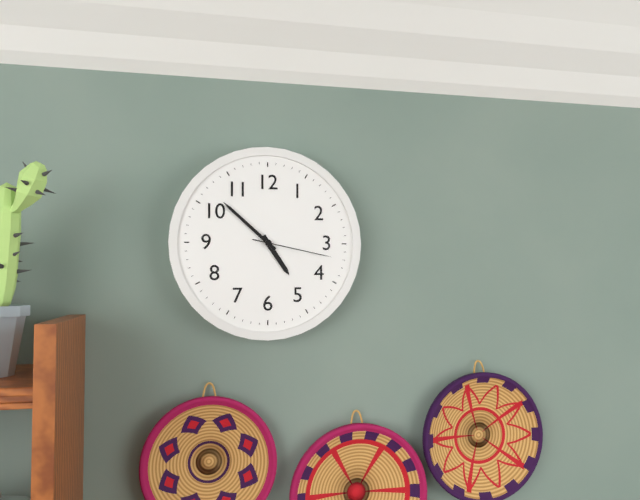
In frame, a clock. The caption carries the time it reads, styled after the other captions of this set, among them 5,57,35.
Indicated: 4,52,17
